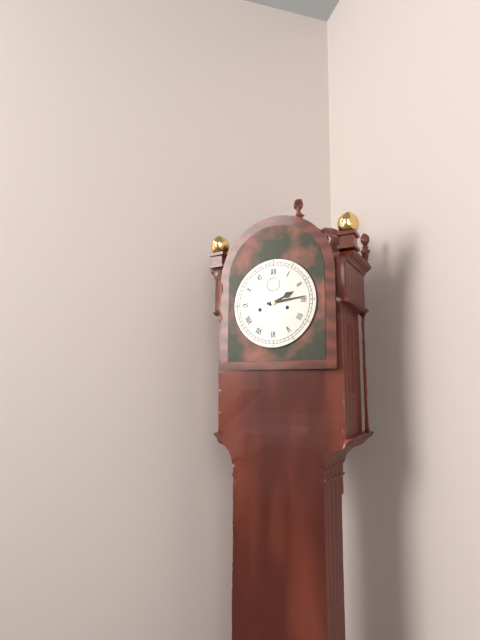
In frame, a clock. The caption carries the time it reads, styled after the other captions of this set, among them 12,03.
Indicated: 2,14
